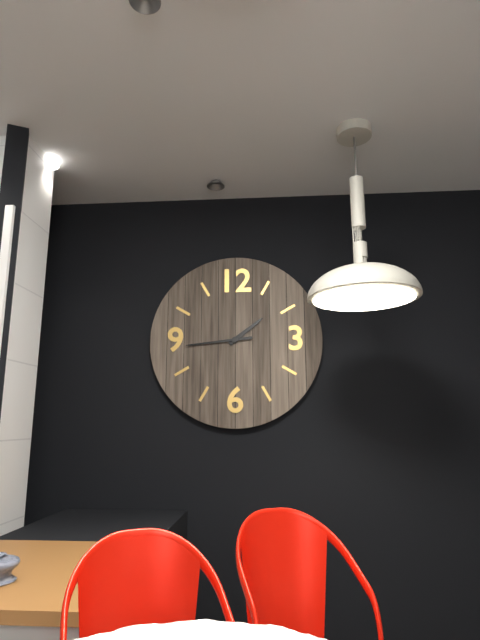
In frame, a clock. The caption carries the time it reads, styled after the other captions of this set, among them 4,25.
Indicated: 1,44
